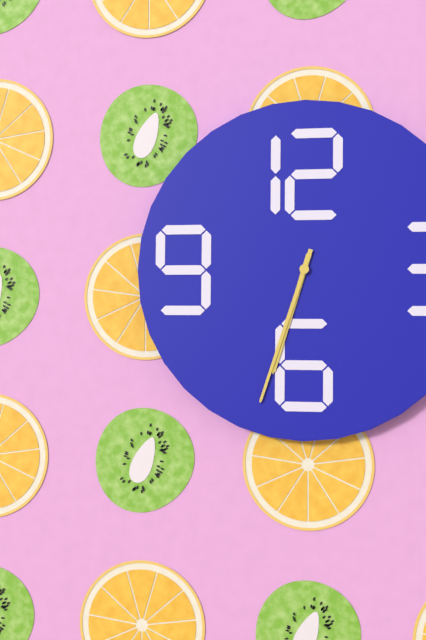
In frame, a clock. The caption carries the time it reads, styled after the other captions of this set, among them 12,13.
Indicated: 6,33
